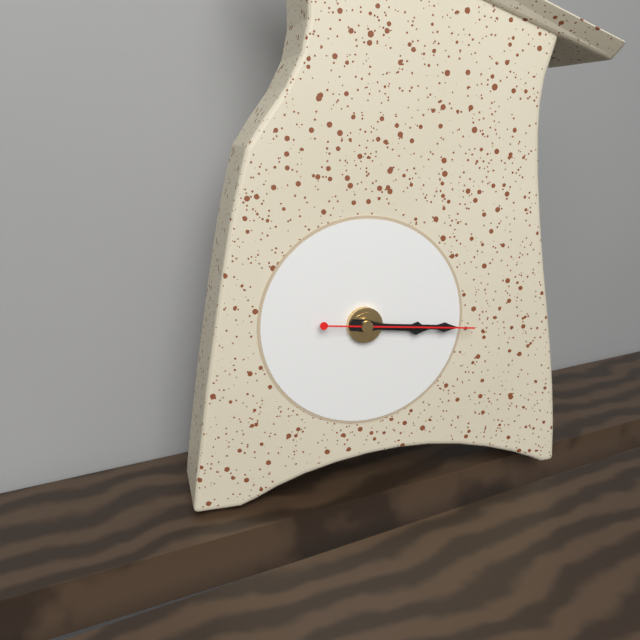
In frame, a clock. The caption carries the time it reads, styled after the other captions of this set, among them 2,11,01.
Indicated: 3,16,16
